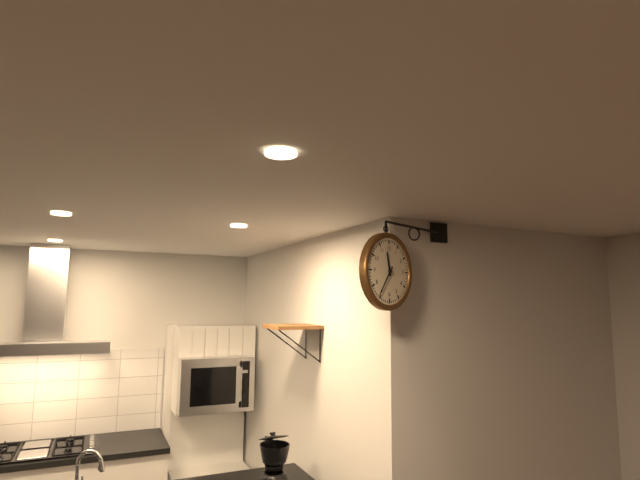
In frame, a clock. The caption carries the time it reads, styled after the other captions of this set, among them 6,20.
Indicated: 11,36
